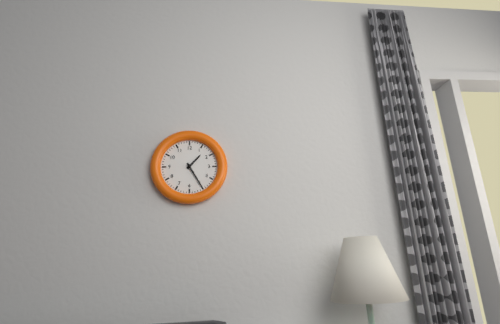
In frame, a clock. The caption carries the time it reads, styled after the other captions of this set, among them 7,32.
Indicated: 1,25
